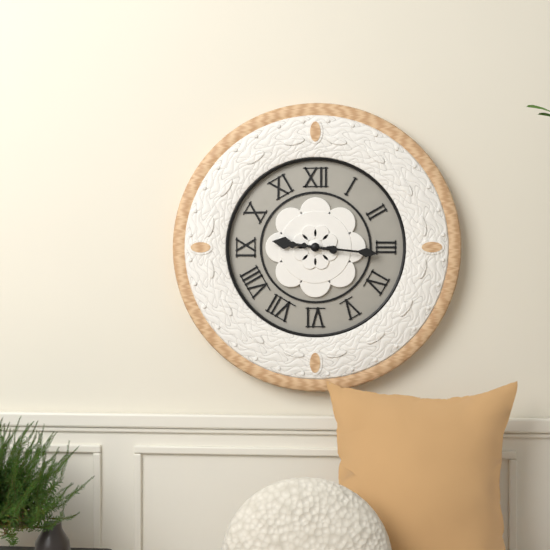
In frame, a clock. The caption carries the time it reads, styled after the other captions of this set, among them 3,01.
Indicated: 9,16
